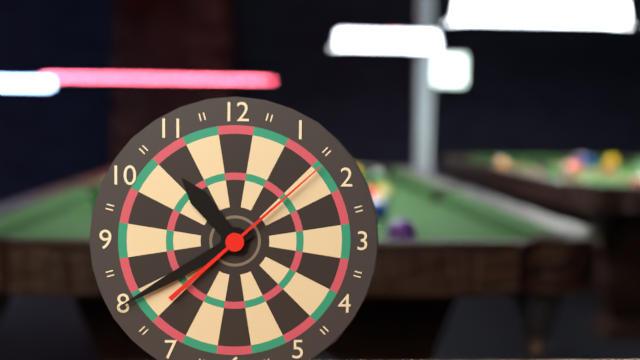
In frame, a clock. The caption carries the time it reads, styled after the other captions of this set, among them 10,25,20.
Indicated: 10,40,08
